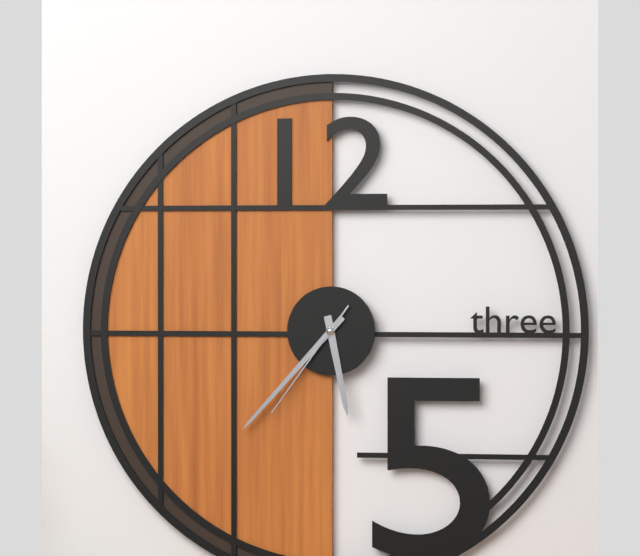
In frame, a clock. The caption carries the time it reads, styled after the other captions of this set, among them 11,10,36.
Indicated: 5,37,36
